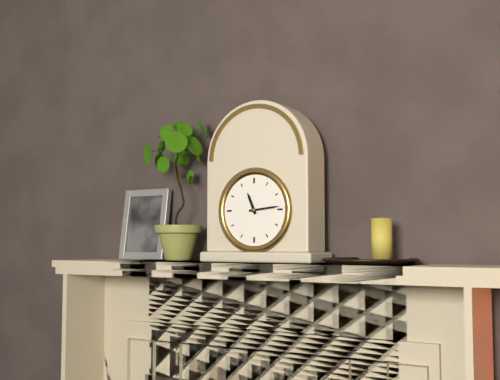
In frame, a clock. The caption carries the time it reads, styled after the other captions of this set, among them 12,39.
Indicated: 11,14
